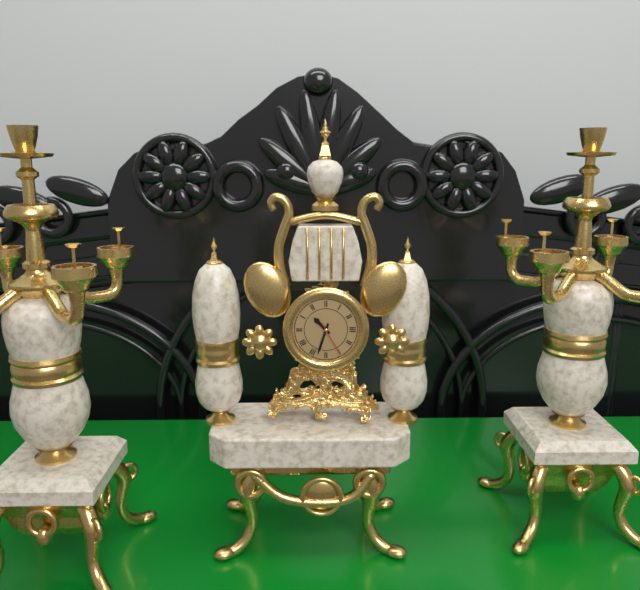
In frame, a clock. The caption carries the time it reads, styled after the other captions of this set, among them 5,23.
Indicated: 10,33
